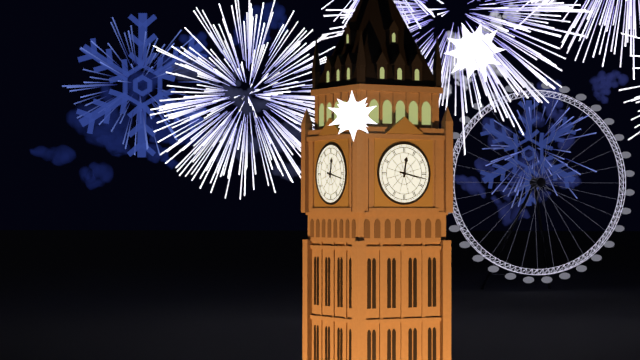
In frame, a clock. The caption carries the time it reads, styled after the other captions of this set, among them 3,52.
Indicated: 12,17
